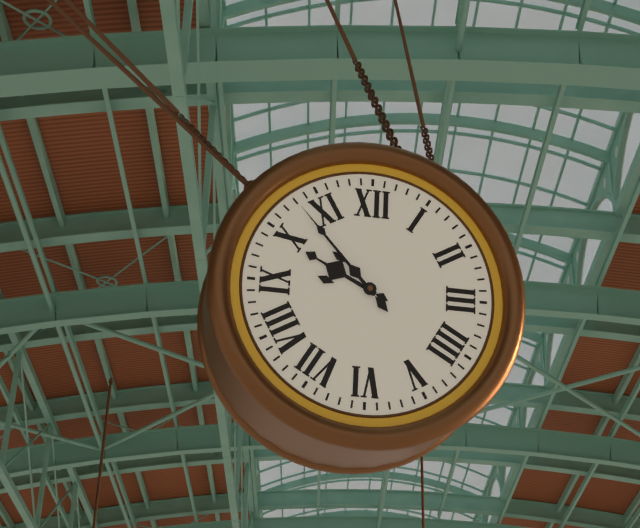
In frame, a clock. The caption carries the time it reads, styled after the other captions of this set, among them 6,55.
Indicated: 9,53
